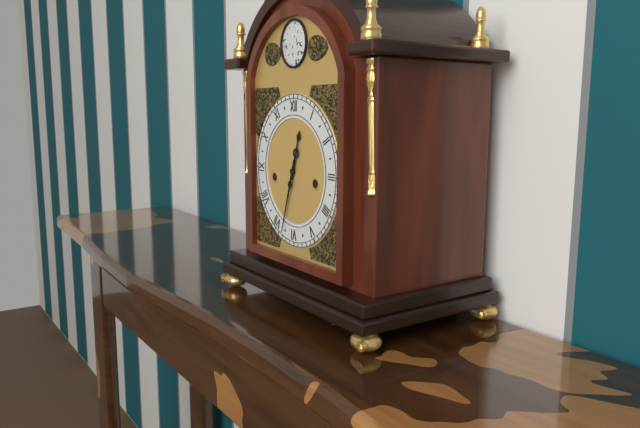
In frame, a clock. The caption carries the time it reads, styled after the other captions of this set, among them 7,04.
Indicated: 12,33
